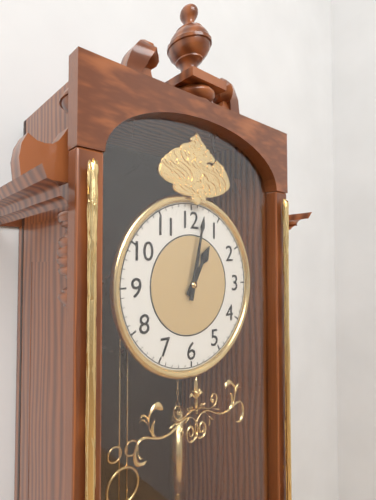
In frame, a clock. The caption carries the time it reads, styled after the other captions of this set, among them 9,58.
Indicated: 1,02
